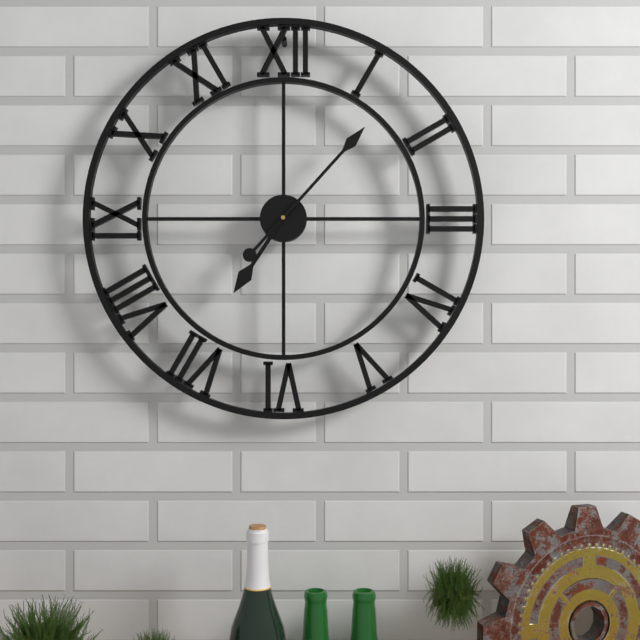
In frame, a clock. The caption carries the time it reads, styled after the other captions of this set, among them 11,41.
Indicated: 7,07
